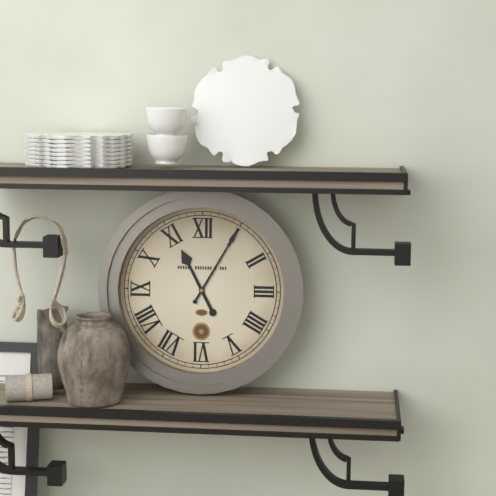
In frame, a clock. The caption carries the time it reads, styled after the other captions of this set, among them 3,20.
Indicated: 11,05
